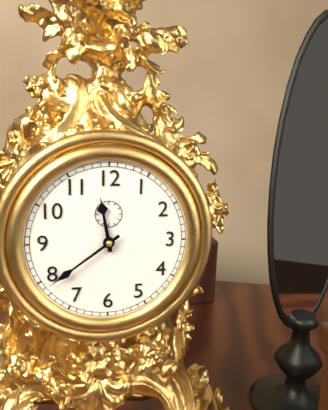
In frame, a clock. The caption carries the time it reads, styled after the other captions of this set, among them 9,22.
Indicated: 11,39
